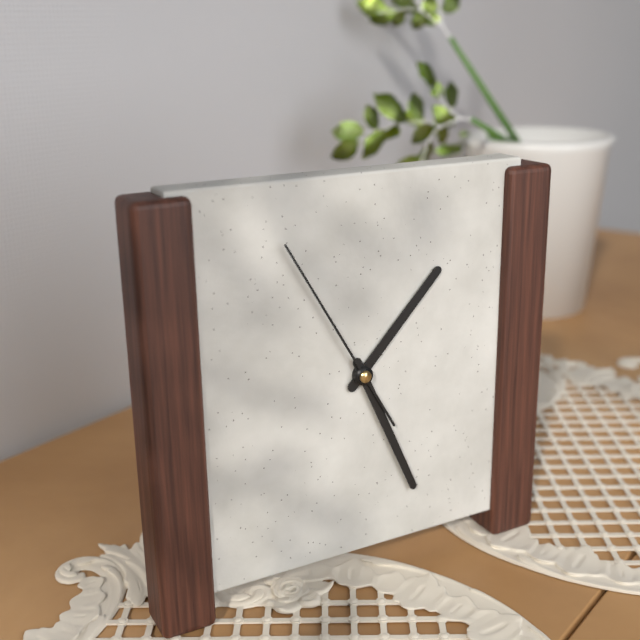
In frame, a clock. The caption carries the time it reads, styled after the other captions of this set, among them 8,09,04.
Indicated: 1,26,55
